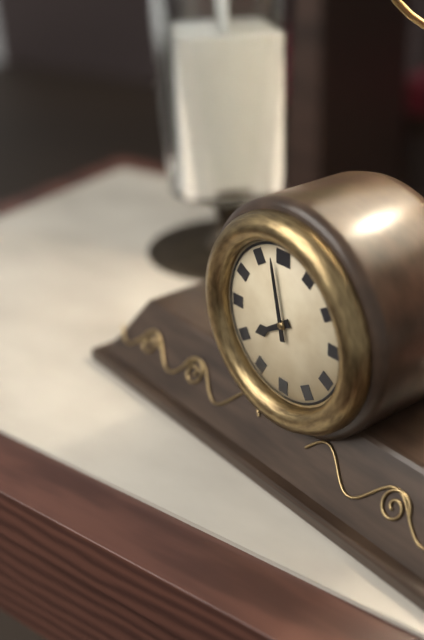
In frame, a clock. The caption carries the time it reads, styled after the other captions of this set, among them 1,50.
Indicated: 7,58
